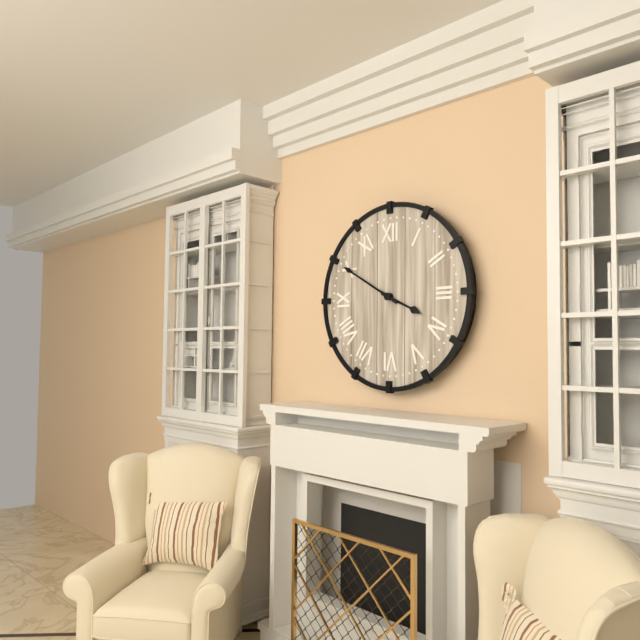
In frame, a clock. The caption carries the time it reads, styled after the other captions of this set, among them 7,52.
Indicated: 3,50
